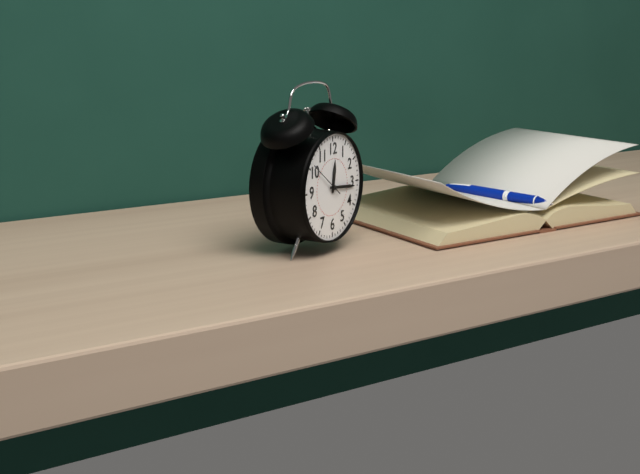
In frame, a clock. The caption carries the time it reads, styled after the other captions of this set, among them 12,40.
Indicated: 12,16
